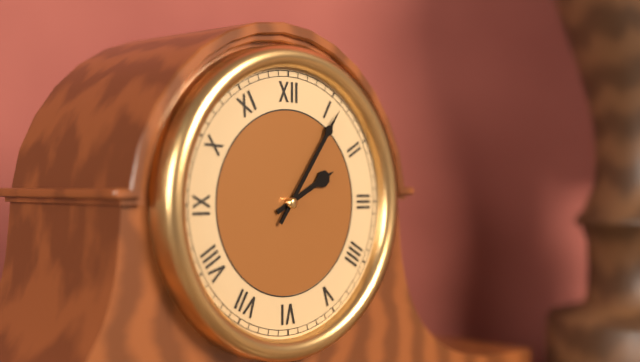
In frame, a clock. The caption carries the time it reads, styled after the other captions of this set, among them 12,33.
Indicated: 2,06
